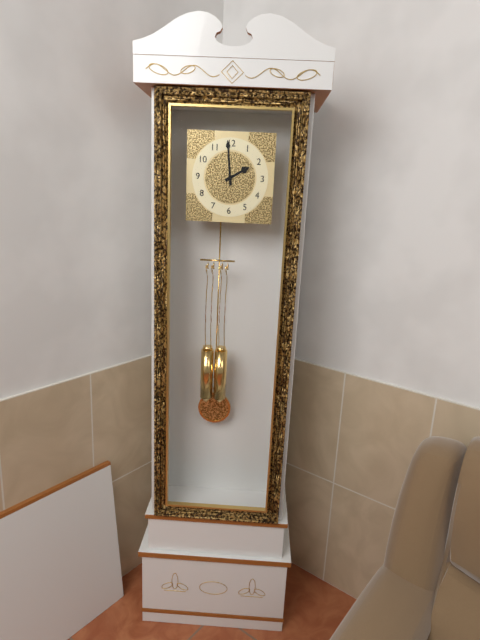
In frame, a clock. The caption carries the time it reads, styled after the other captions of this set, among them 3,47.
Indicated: 1,59
